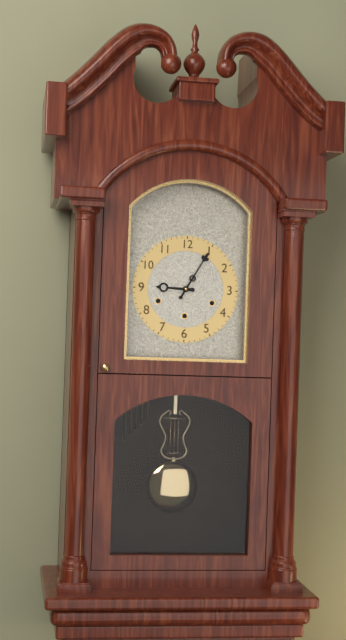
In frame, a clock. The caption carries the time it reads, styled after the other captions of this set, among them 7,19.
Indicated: 9,05
